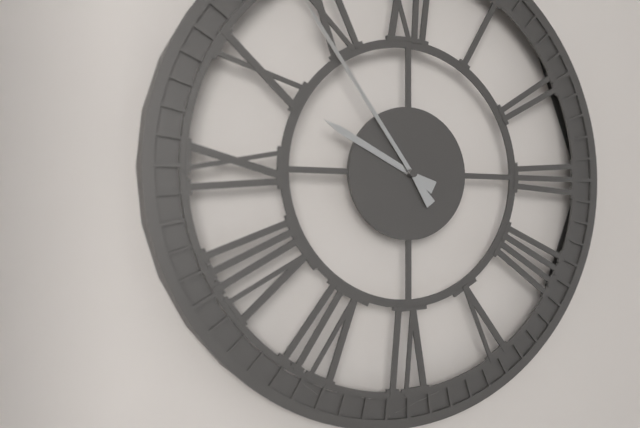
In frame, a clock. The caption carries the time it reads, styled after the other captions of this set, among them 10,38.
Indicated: 9,54
